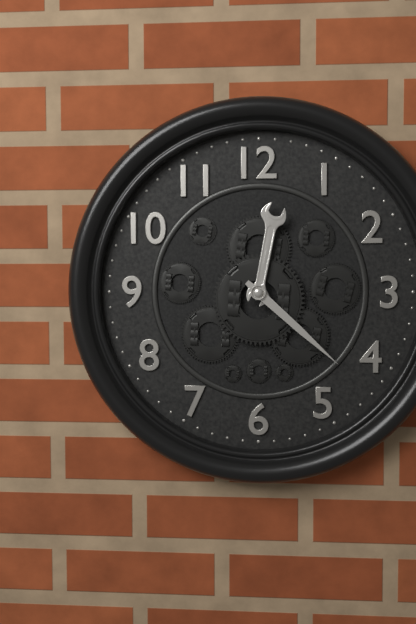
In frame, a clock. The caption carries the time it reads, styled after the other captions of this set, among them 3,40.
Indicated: 12,22
